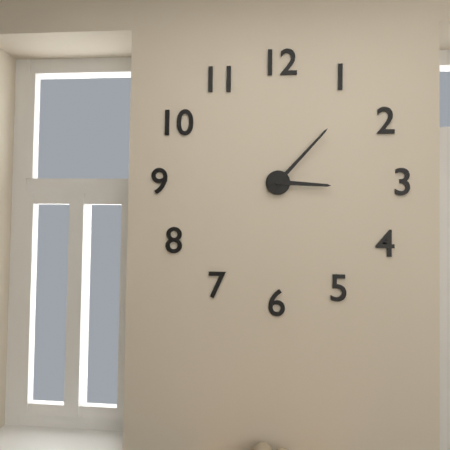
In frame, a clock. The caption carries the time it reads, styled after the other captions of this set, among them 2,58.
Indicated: 3,07
